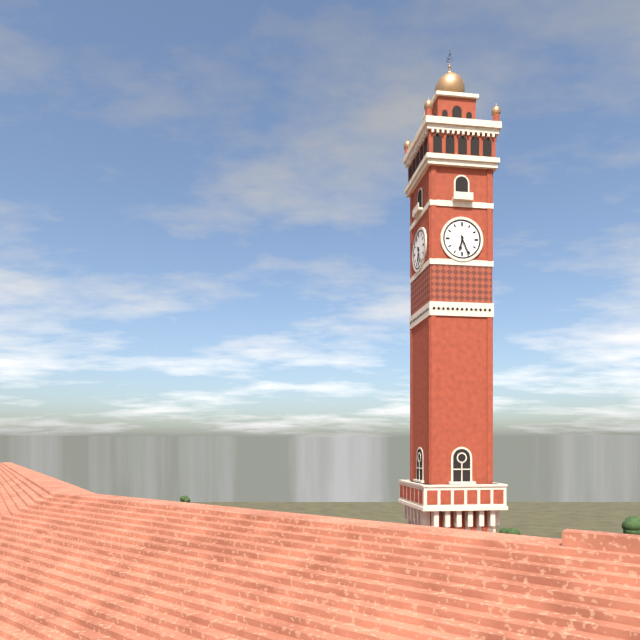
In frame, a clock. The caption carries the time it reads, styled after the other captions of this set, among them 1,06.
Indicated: 6,26
